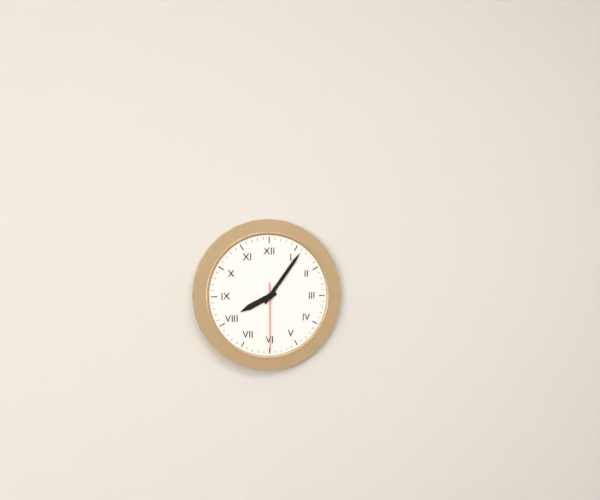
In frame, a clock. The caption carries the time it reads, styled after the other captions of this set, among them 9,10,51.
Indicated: 8,06,30
